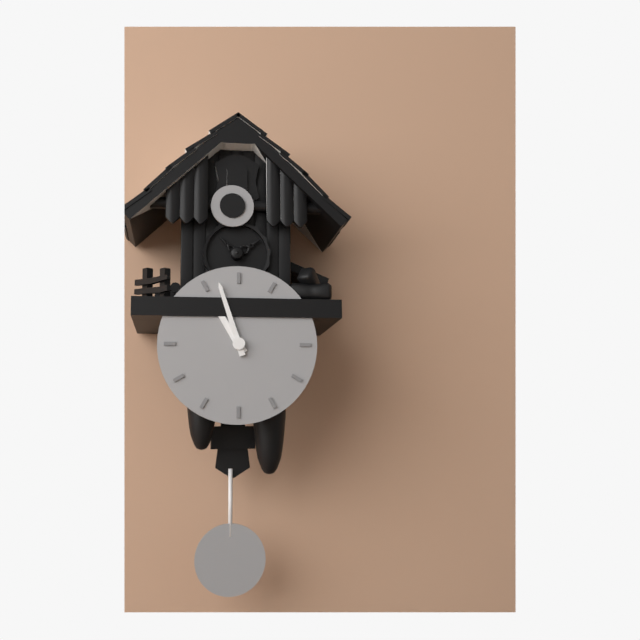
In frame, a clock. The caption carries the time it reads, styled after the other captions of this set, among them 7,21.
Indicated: 10,57
